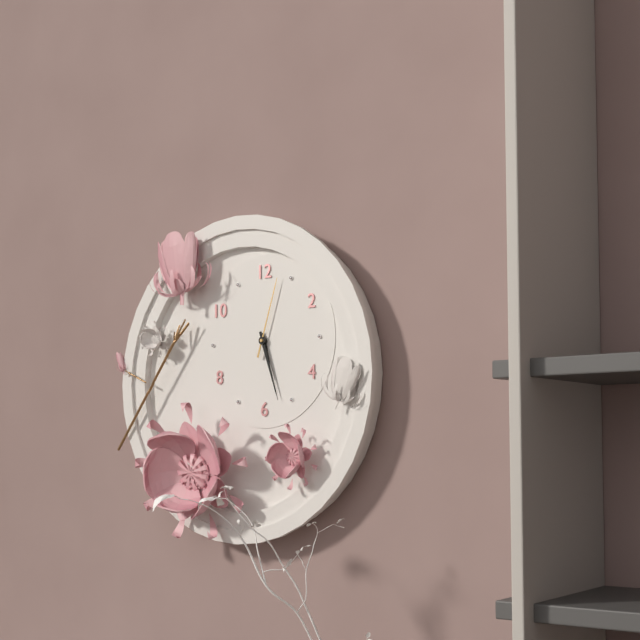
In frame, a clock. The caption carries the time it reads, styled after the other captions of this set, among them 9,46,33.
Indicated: 5,27,03
